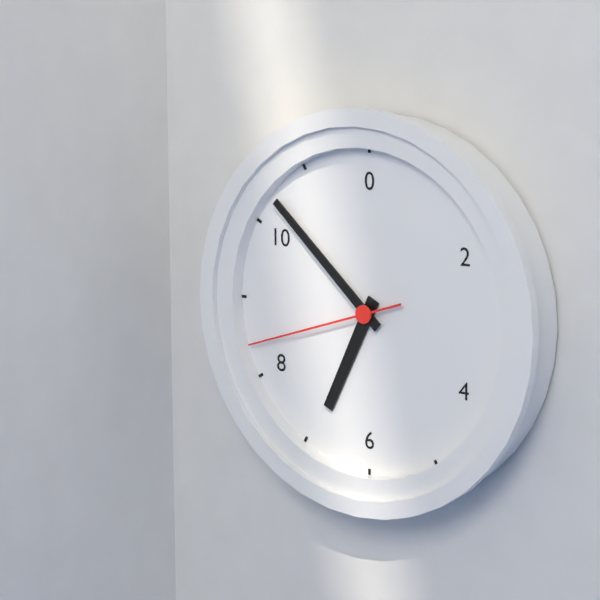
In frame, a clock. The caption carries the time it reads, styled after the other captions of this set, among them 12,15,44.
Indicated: 6,52,42
